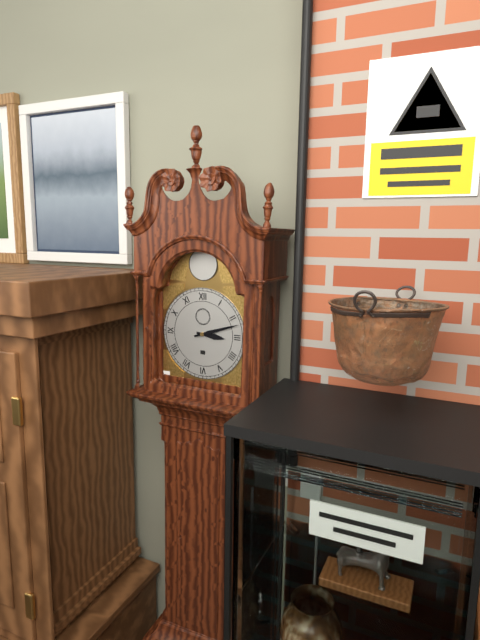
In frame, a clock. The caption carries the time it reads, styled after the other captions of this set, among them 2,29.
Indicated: 3,12
